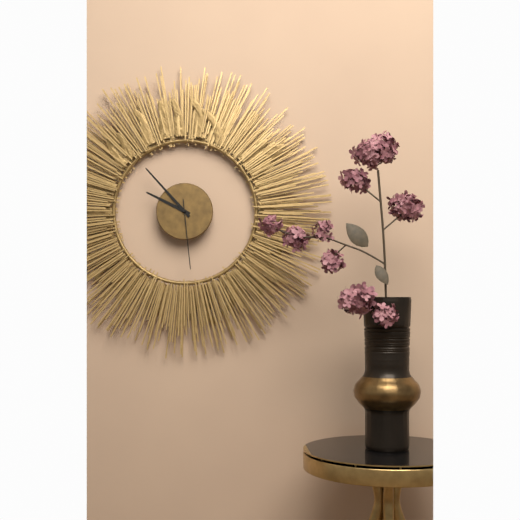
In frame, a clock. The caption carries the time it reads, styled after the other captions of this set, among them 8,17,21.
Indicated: 9,53,29
